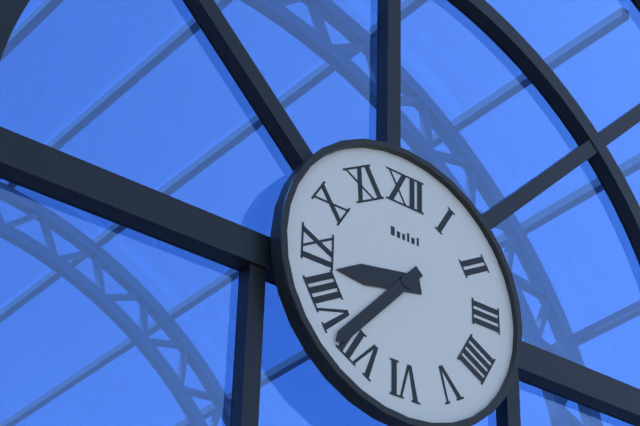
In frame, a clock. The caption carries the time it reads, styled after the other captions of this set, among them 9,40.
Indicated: 8,37
